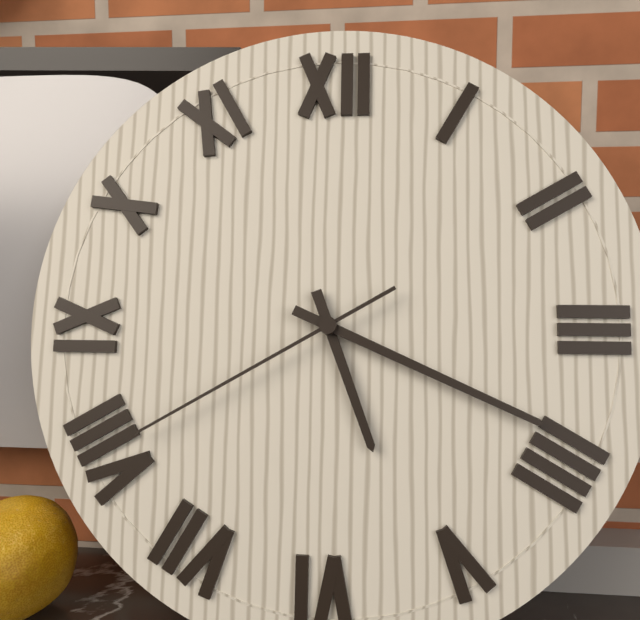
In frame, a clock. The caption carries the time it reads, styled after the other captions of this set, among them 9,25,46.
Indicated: 5,19,40
